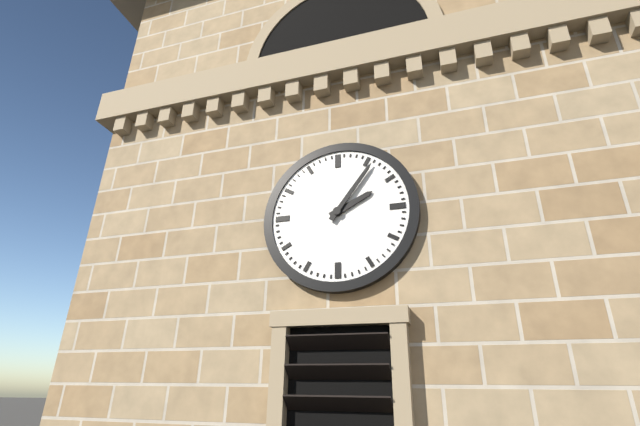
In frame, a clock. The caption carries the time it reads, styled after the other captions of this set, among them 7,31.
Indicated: 2,06
